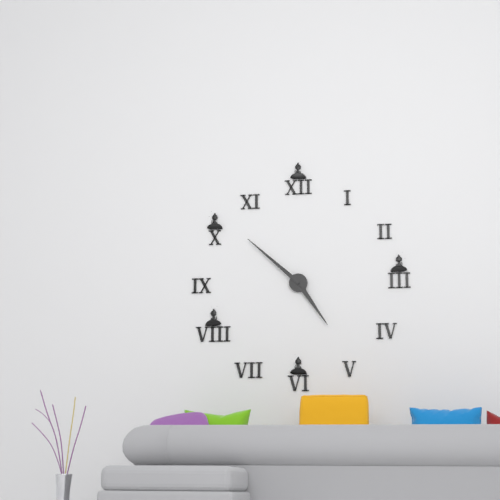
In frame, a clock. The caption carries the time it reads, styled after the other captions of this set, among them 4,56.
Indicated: 4,52
